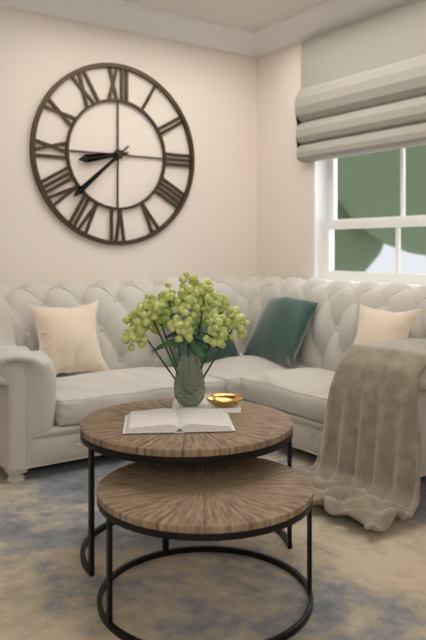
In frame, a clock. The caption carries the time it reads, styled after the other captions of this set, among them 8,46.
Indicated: 8,38
